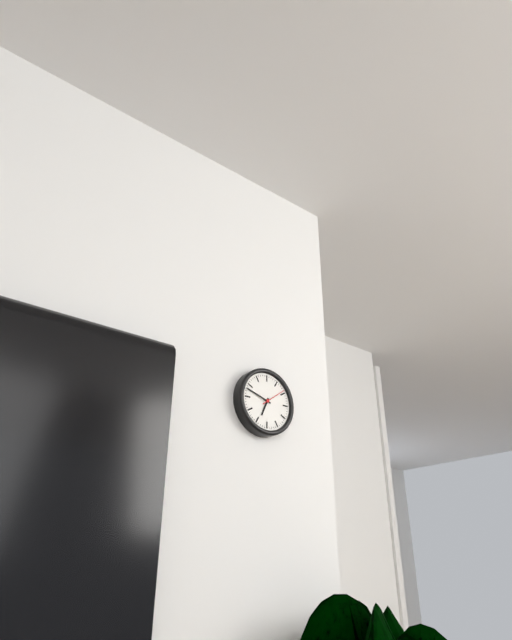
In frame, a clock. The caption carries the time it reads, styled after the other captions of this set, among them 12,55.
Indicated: 6,48
